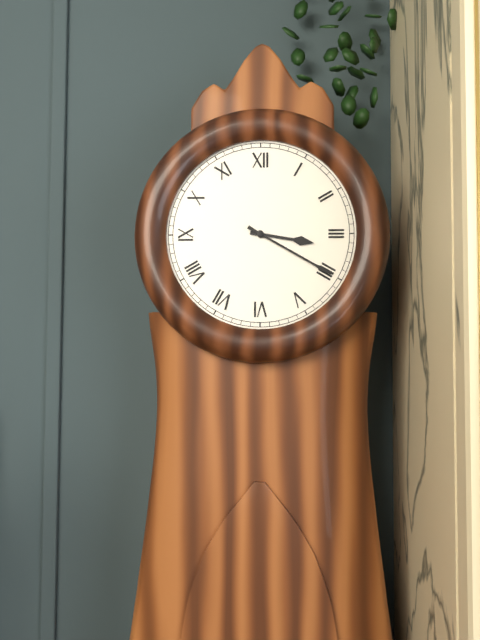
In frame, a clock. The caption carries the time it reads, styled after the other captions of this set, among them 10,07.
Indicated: 3,20
